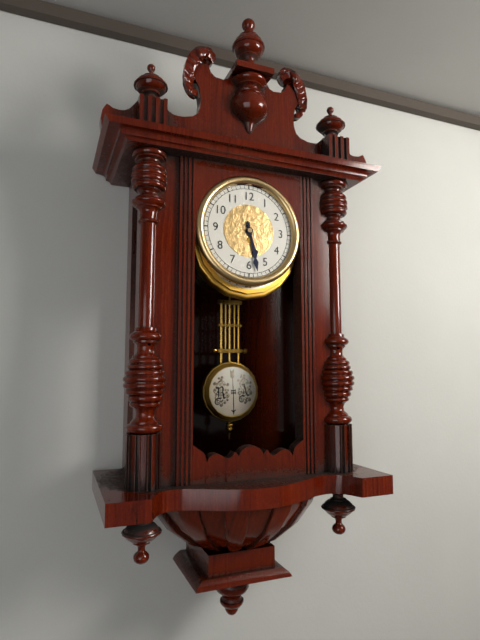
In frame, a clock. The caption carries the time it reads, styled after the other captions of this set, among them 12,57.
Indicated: 5,28
